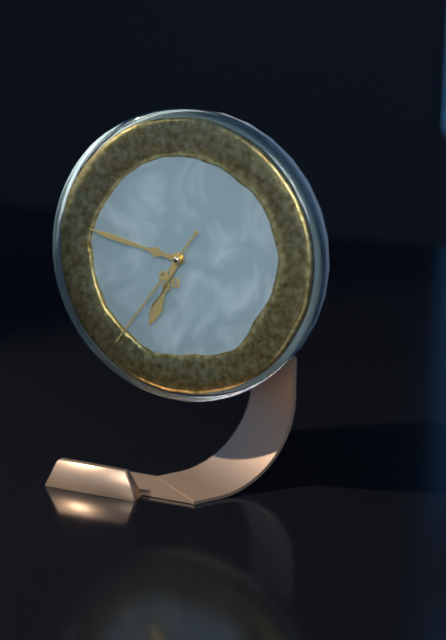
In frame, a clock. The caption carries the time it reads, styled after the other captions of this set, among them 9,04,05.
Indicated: 6,47,36
